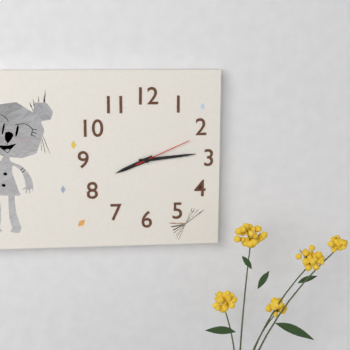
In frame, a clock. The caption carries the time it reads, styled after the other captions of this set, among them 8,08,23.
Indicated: 8,14,11
